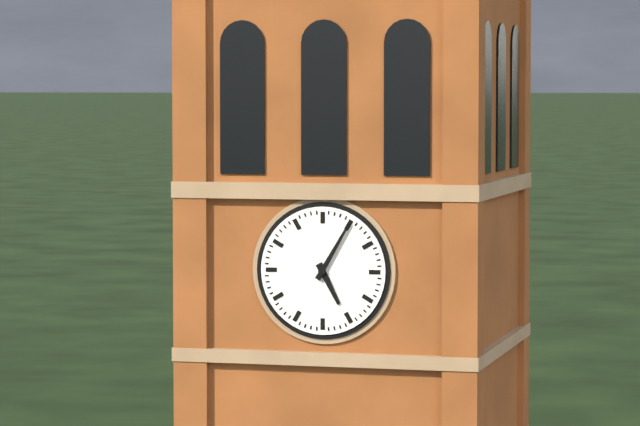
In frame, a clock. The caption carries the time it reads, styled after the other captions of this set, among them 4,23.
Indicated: 5,05
